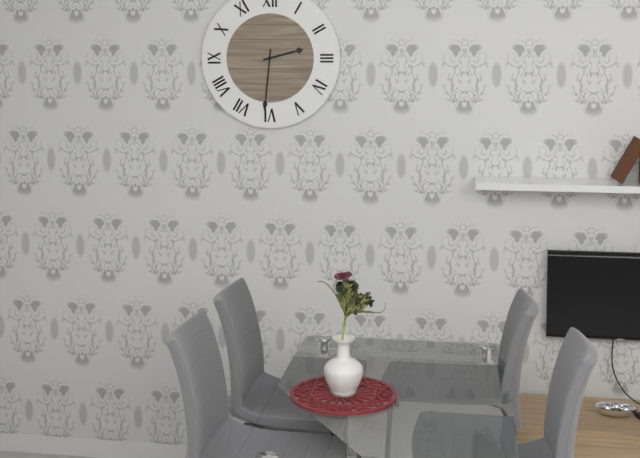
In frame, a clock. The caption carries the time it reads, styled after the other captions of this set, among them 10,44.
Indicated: 2,31
